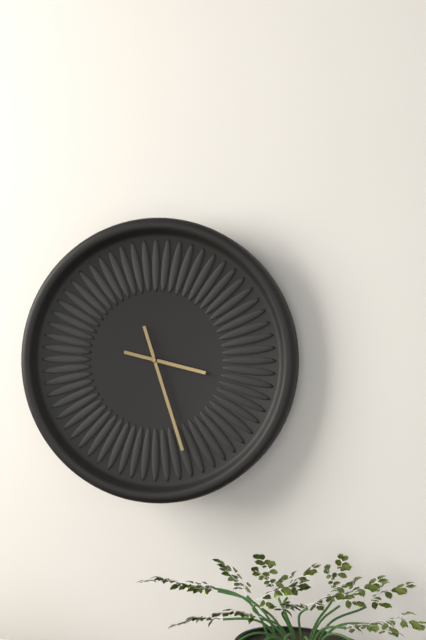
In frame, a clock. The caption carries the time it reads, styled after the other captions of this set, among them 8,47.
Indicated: 3,27
